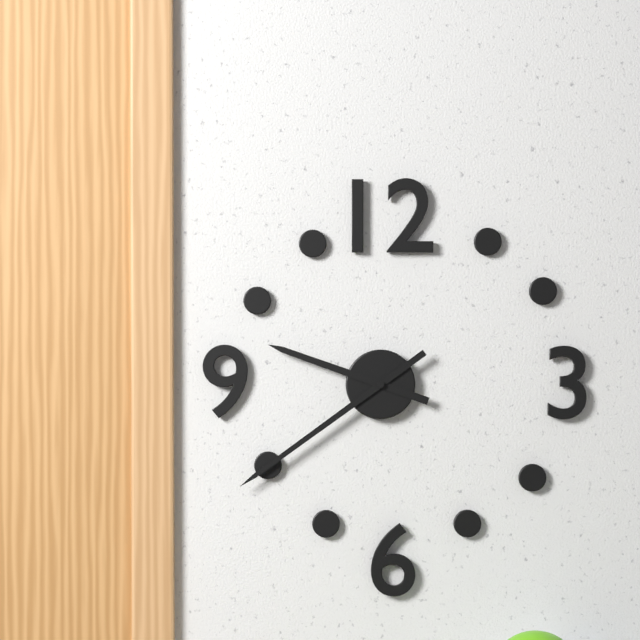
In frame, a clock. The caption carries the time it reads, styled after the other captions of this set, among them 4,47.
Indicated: 9,39
